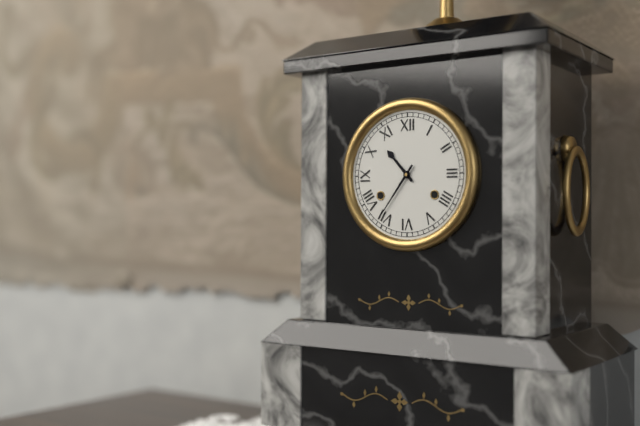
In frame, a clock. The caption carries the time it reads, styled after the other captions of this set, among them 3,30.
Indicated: 10,36
